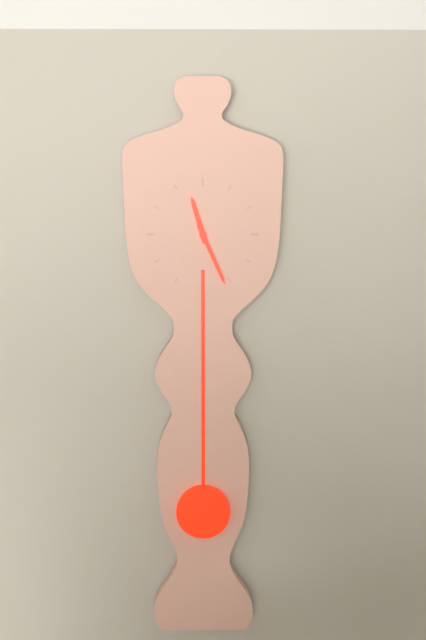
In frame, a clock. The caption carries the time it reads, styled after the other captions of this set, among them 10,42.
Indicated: 11,26
